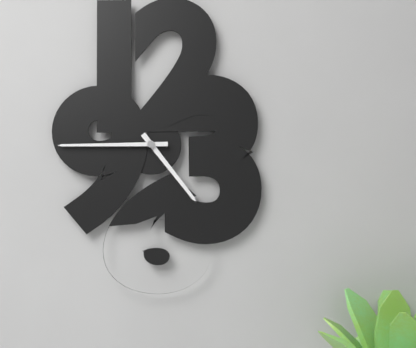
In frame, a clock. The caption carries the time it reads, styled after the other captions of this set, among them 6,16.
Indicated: 4,45
